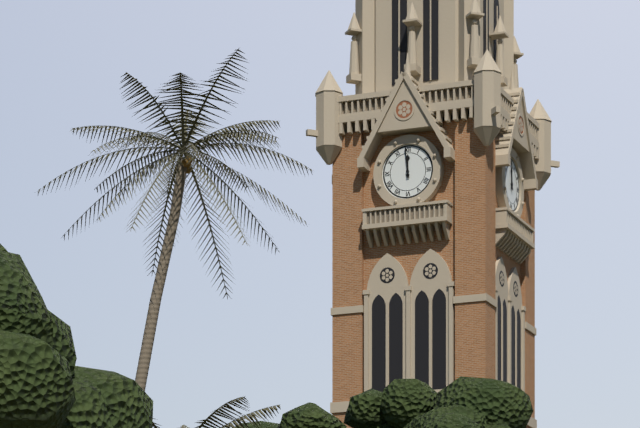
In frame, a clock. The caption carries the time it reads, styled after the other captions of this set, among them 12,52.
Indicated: 11,59
